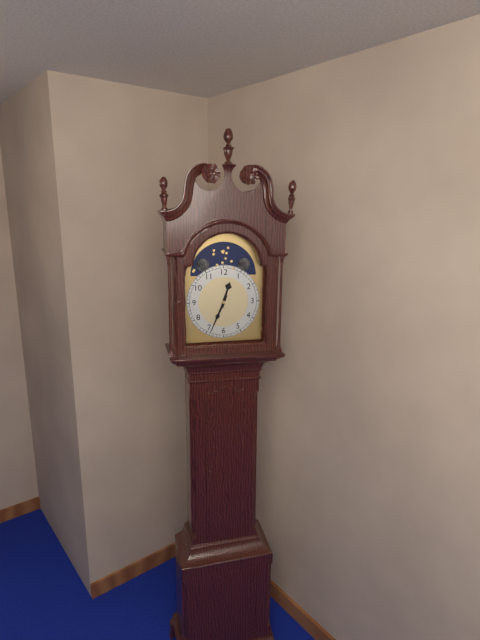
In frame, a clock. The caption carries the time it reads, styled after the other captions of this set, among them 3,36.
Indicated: 12,34
